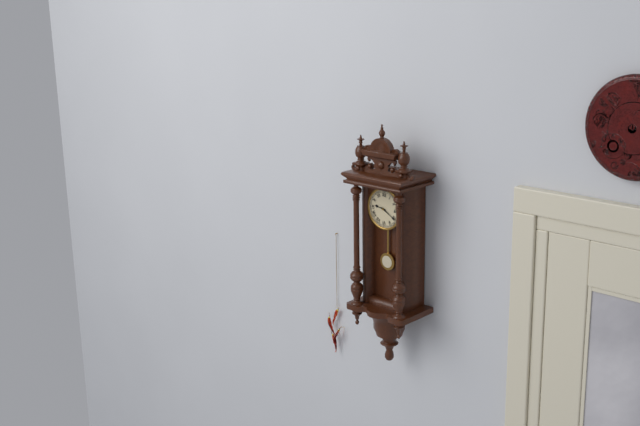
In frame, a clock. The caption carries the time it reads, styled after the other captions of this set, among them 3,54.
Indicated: 9,20
